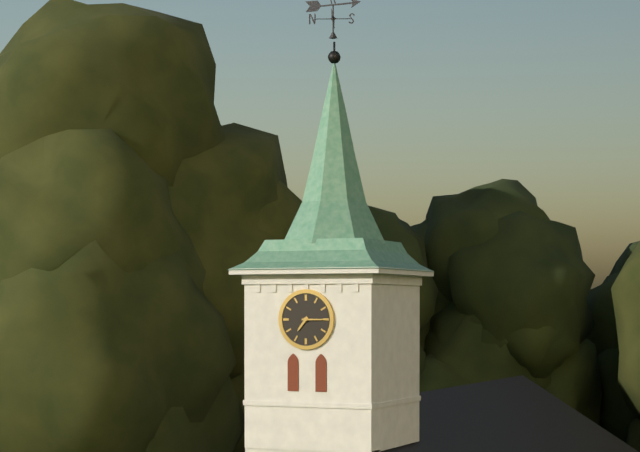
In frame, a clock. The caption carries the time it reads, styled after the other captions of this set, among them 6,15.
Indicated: 7,15
